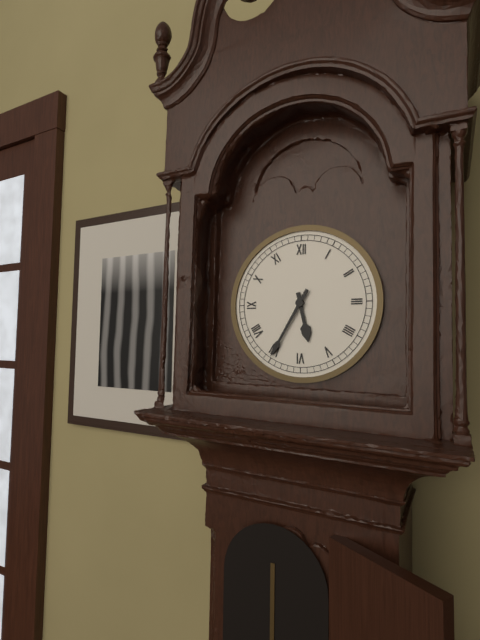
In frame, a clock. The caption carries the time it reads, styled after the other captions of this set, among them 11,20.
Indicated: 5,35
